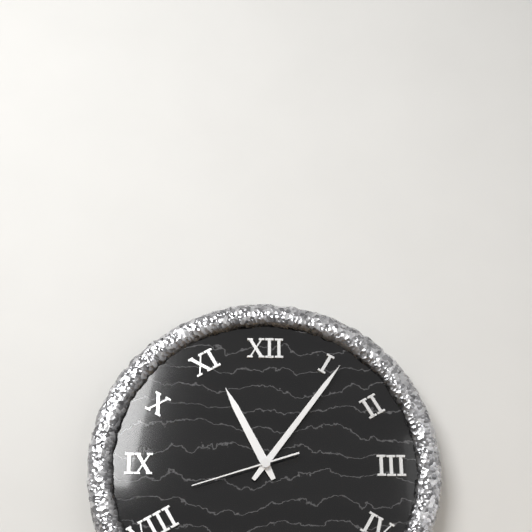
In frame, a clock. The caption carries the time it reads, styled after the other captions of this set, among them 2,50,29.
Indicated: 11,06,42
